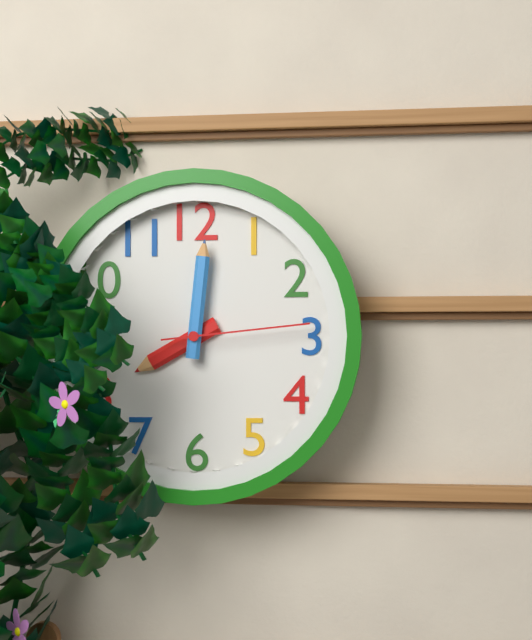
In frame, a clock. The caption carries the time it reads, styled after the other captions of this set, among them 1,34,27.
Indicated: 8,01,14
